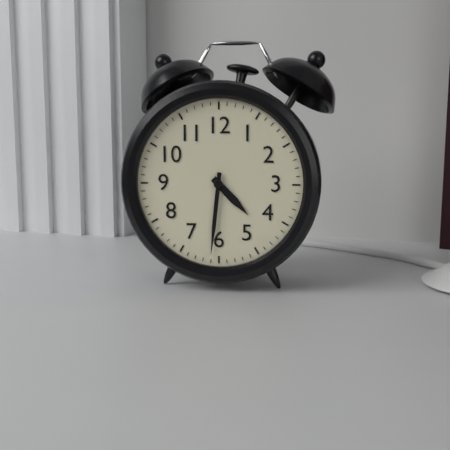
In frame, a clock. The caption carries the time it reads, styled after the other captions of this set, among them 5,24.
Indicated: 4,31
